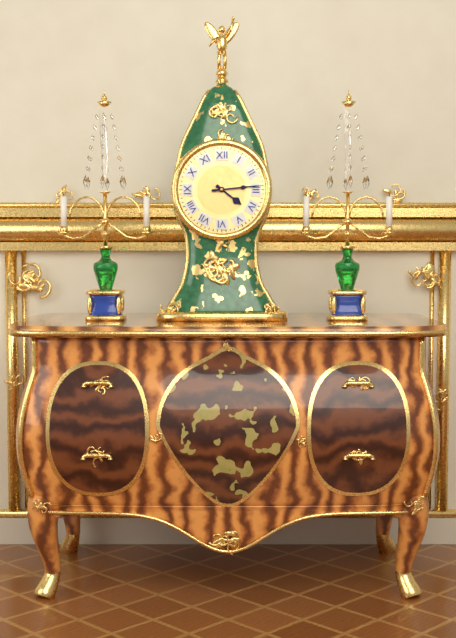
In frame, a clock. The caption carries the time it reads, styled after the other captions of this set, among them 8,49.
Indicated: 4,14
